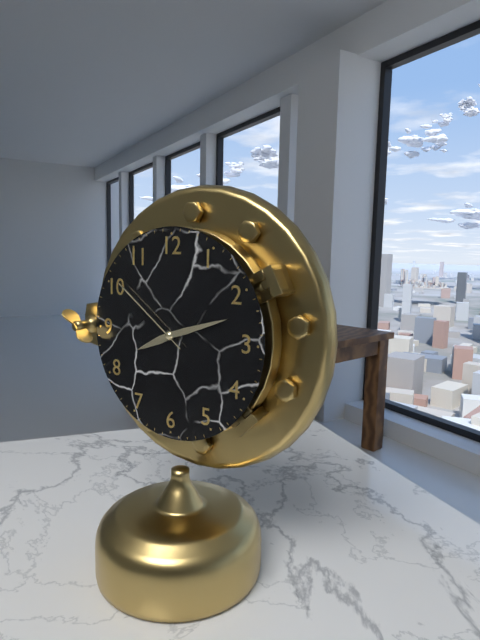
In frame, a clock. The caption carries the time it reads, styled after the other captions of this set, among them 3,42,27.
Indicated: 8,12,51
